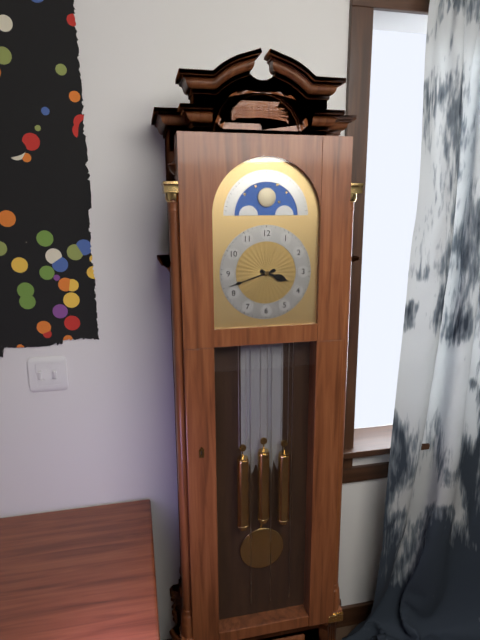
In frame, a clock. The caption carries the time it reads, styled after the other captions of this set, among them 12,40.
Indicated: 3,42
